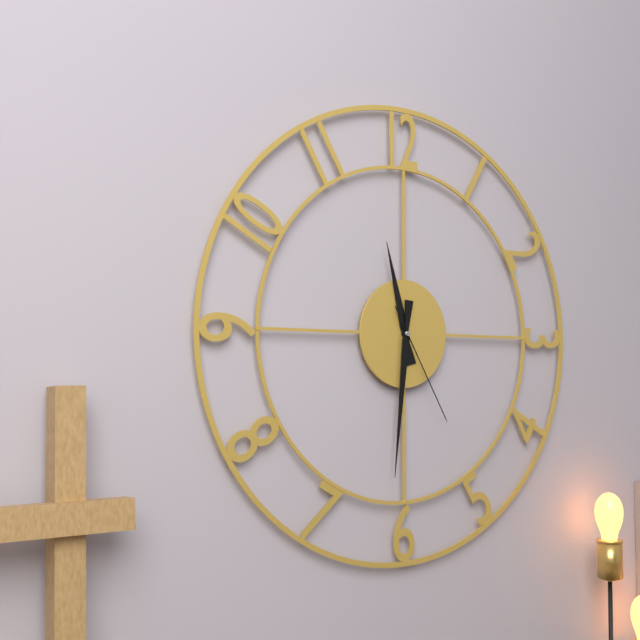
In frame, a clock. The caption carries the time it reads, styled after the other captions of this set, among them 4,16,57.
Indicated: 11,31,25
